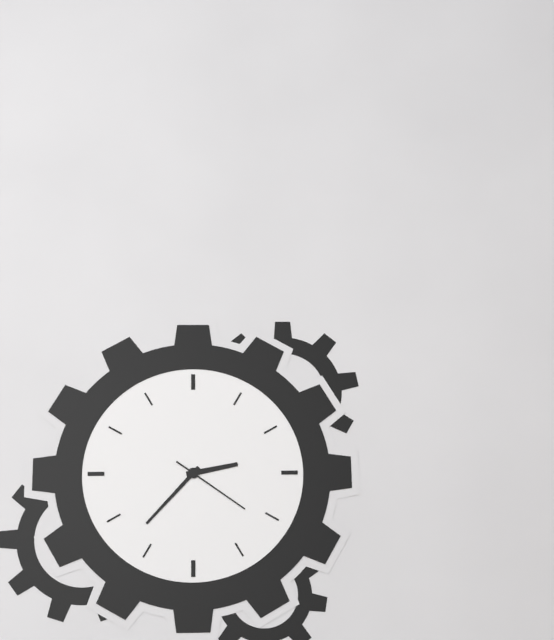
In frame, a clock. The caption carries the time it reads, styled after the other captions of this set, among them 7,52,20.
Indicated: 2,37,21
